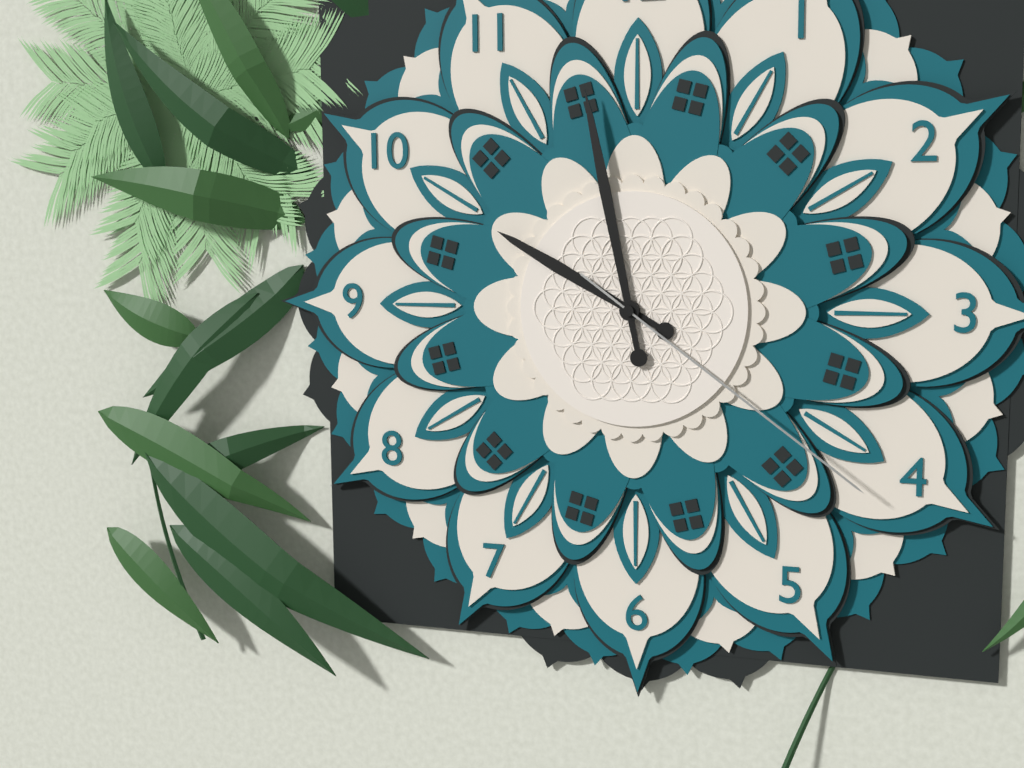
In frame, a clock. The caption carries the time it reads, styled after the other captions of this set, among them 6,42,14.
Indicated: 9,58,21
